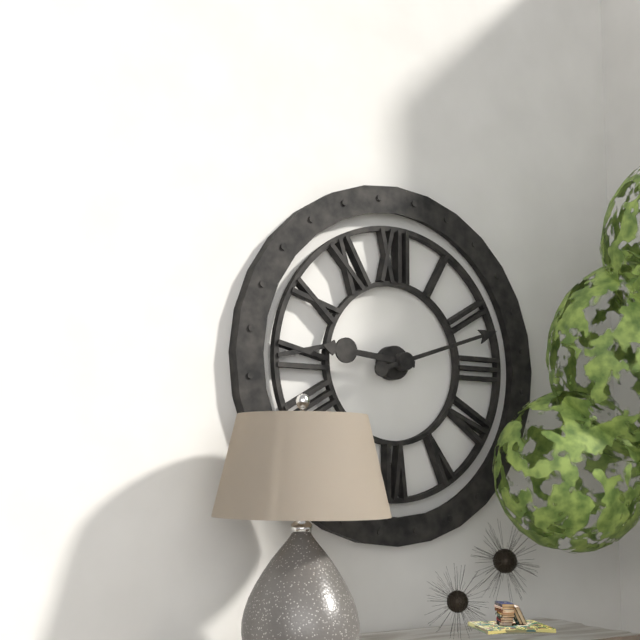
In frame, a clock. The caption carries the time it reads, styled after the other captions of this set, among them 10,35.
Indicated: 9,12
